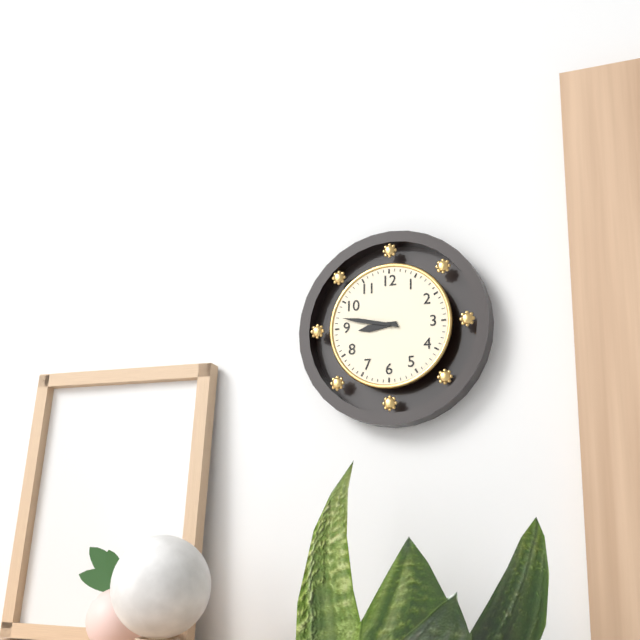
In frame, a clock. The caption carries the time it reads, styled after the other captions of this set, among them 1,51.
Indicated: 8,47
